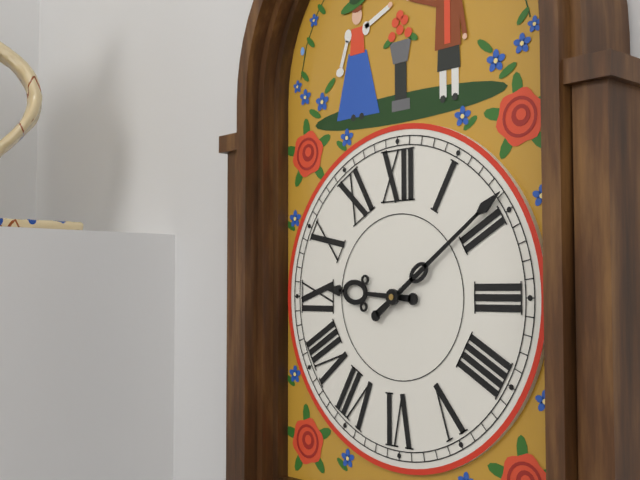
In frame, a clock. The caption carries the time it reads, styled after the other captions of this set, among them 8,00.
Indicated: 9,09
